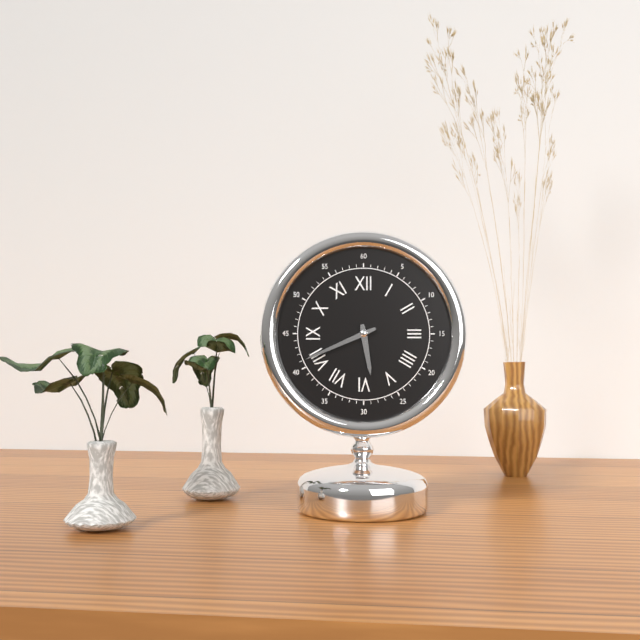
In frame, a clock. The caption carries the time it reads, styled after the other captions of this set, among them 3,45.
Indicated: 5,41
